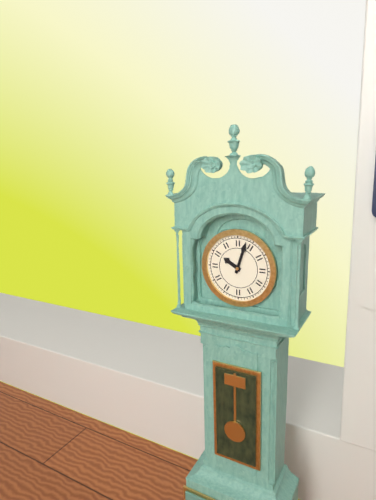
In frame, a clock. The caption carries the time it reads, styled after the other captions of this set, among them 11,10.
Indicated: 10,03
